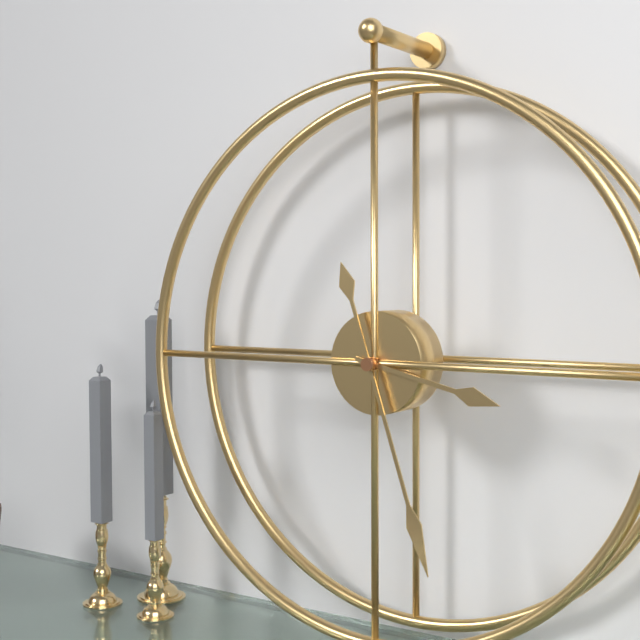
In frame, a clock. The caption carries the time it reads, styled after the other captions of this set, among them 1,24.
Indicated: 3,27
